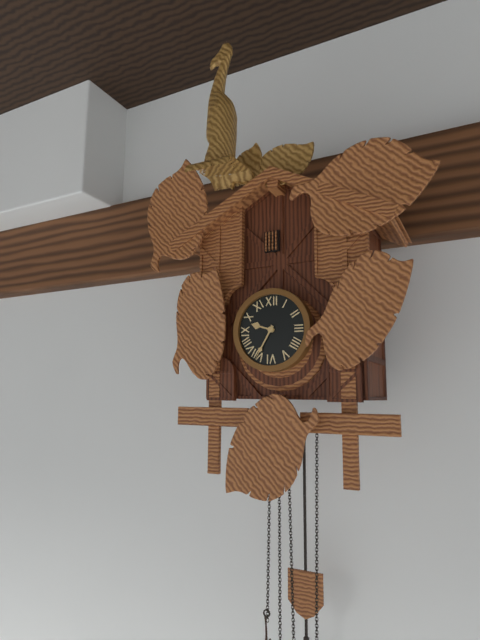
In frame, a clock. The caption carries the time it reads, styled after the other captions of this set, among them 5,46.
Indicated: 9,35
